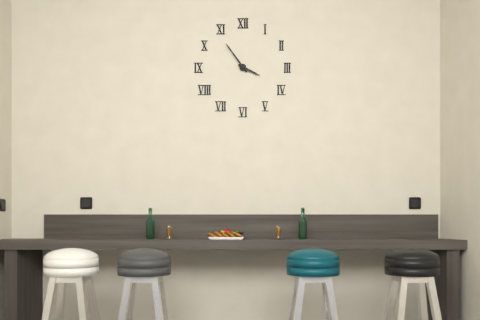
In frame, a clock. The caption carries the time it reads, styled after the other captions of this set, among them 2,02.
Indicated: 3,54
